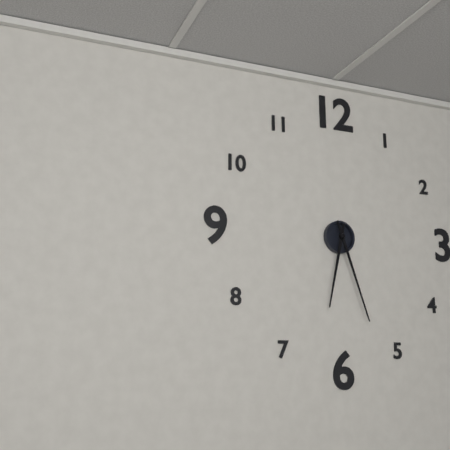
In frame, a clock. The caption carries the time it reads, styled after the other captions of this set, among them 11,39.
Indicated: 6,27
